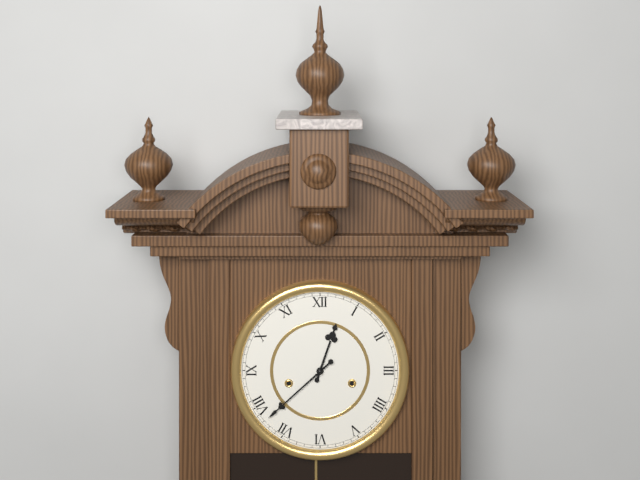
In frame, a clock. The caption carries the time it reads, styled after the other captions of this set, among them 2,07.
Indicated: 12,38
